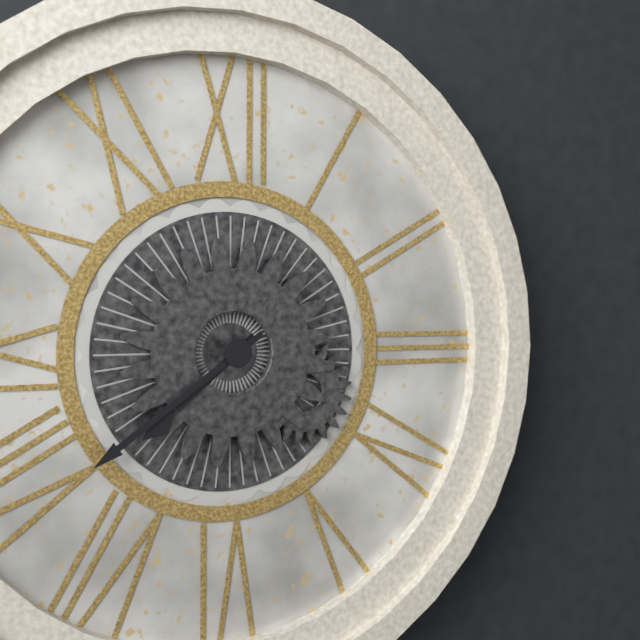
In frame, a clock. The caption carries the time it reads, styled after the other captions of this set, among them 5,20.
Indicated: 7,39
